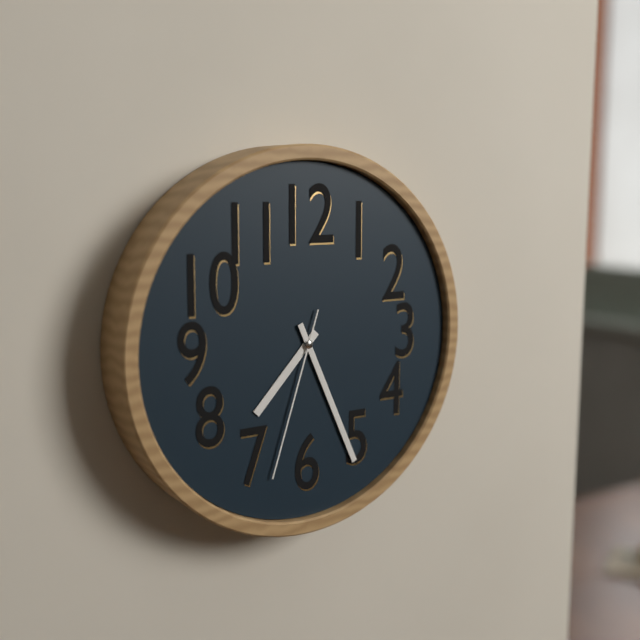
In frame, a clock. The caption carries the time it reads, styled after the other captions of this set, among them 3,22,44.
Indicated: 7,26,33
